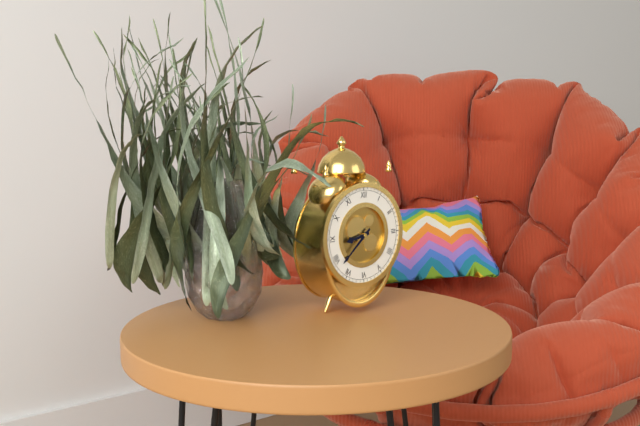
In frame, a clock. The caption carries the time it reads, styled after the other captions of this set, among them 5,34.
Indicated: 8,38
